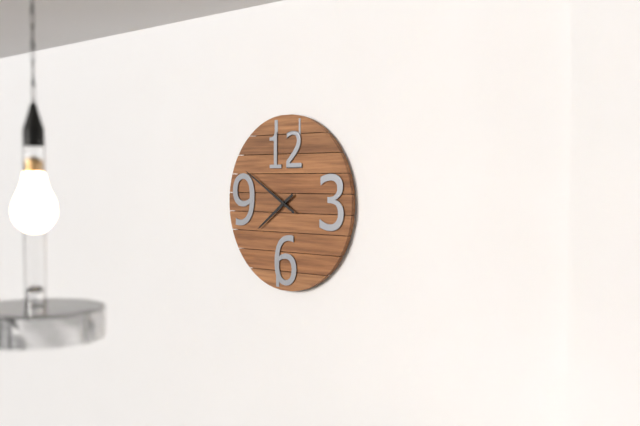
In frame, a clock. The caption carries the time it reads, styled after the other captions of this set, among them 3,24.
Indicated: 7,50
